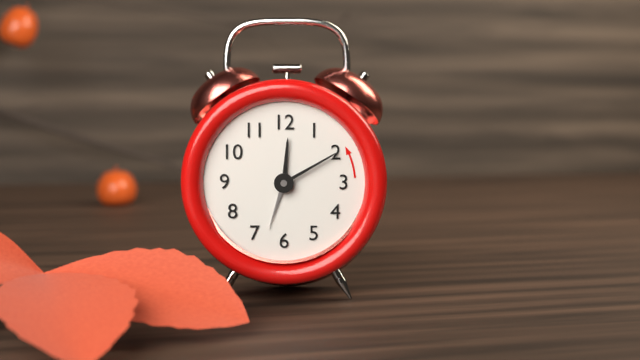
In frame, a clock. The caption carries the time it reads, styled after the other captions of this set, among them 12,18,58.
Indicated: 12,10,33
